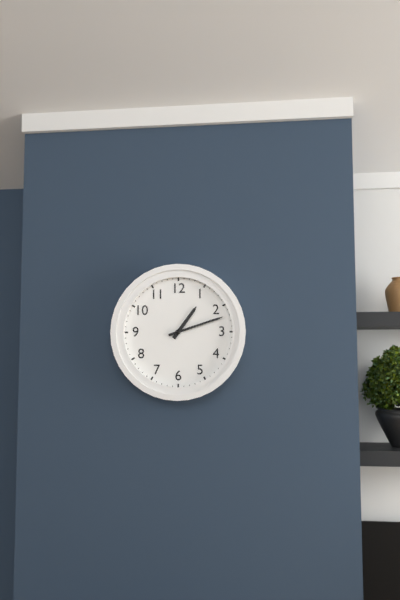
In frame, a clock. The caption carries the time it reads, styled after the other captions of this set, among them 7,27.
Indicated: 1,12
